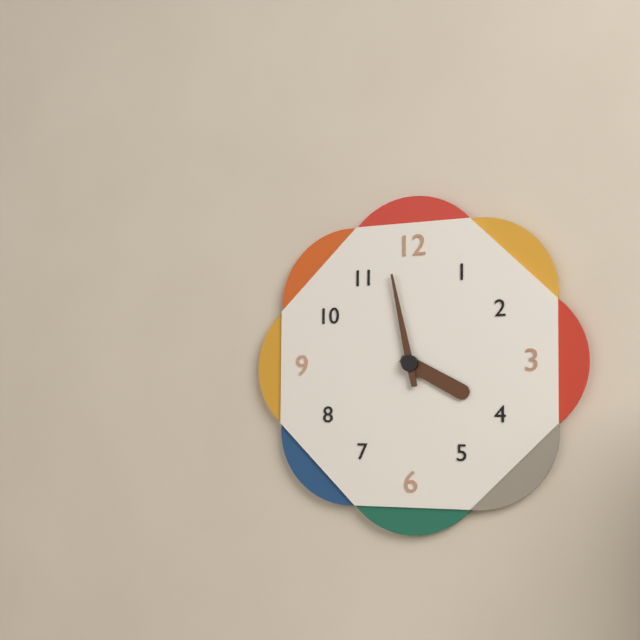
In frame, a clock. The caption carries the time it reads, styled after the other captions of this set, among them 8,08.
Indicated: 3,58
